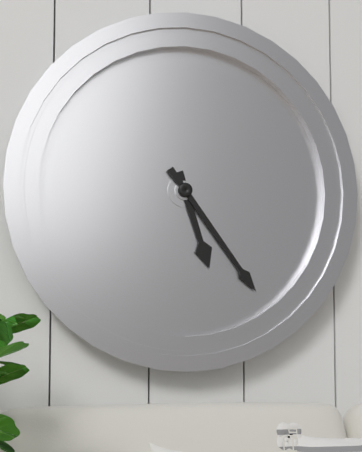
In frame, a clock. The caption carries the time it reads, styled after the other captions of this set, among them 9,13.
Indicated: 5,24
